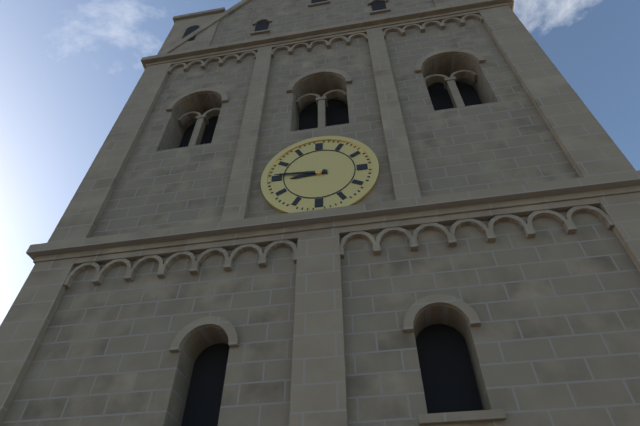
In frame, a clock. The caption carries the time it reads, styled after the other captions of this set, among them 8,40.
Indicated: 8,46
